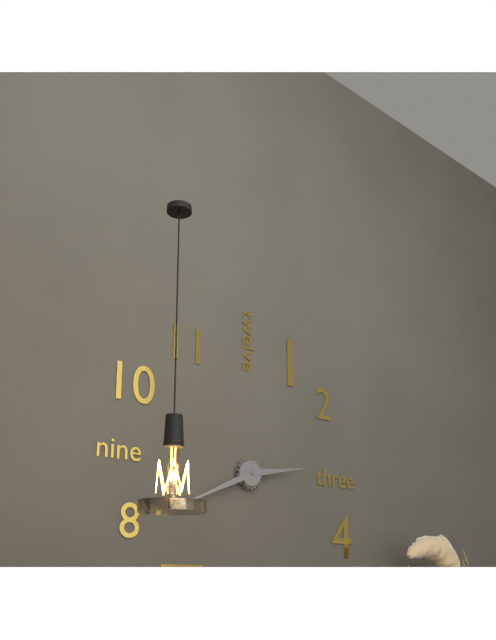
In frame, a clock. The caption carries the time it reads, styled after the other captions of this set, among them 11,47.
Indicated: 2,41
